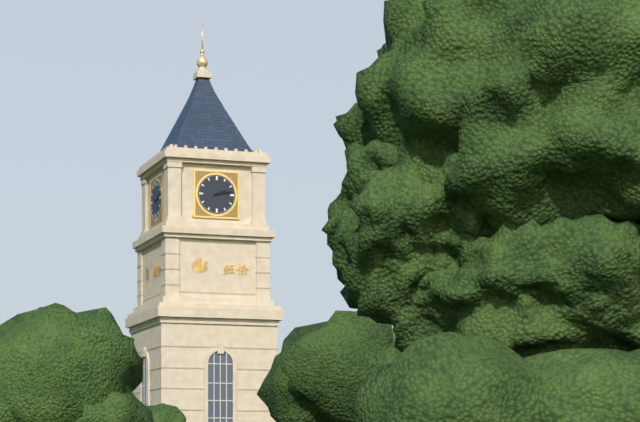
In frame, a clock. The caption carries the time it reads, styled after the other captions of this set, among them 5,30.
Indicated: 2,13
